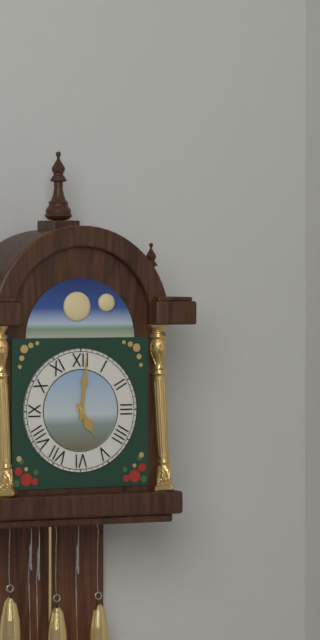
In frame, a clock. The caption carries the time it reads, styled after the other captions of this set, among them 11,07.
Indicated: 5,01
